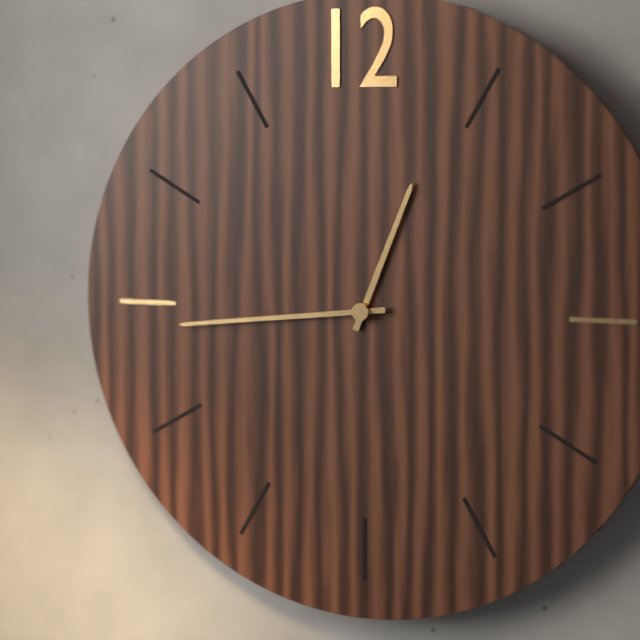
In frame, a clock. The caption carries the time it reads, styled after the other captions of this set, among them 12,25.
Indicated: 12,44
